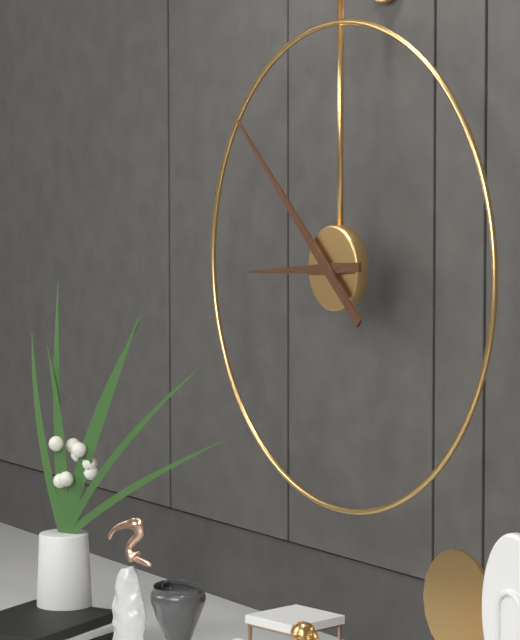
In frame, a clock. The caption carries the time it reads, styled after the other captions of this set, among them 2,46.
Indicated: 8,52
